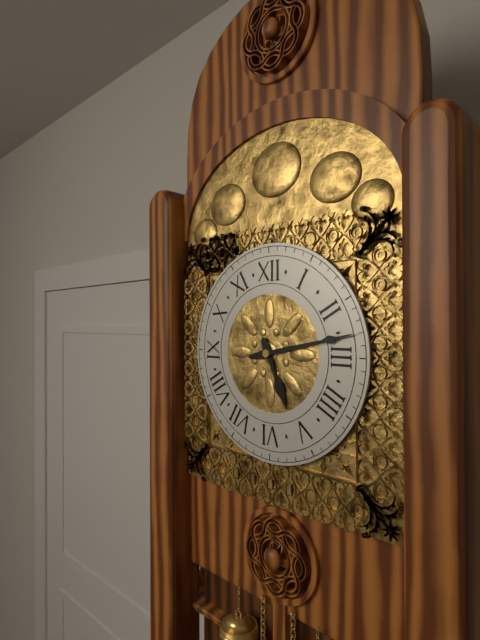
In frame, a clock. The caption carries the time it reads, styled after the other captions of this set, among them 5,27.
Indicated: 5,13
